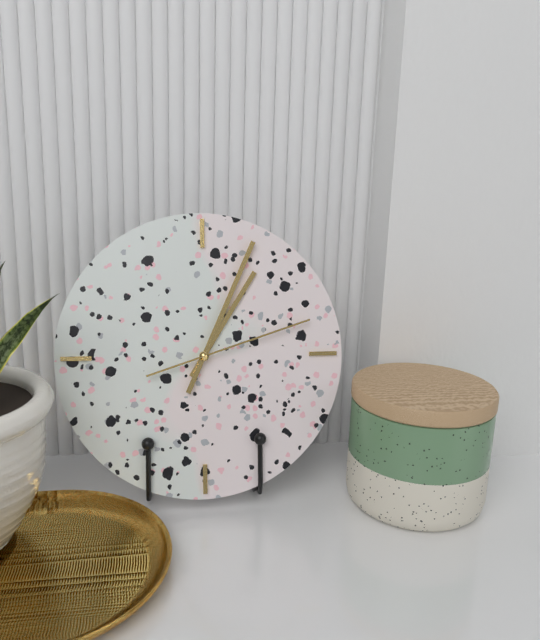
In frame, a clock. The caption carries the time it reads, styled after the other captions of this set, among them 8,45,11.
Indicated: 1,04,12
